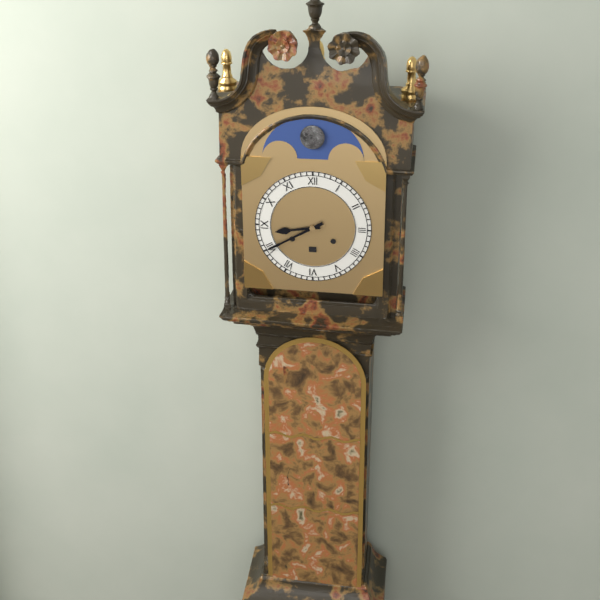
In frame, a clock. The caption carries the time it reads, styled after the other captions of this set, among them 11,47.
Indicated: 8,40
